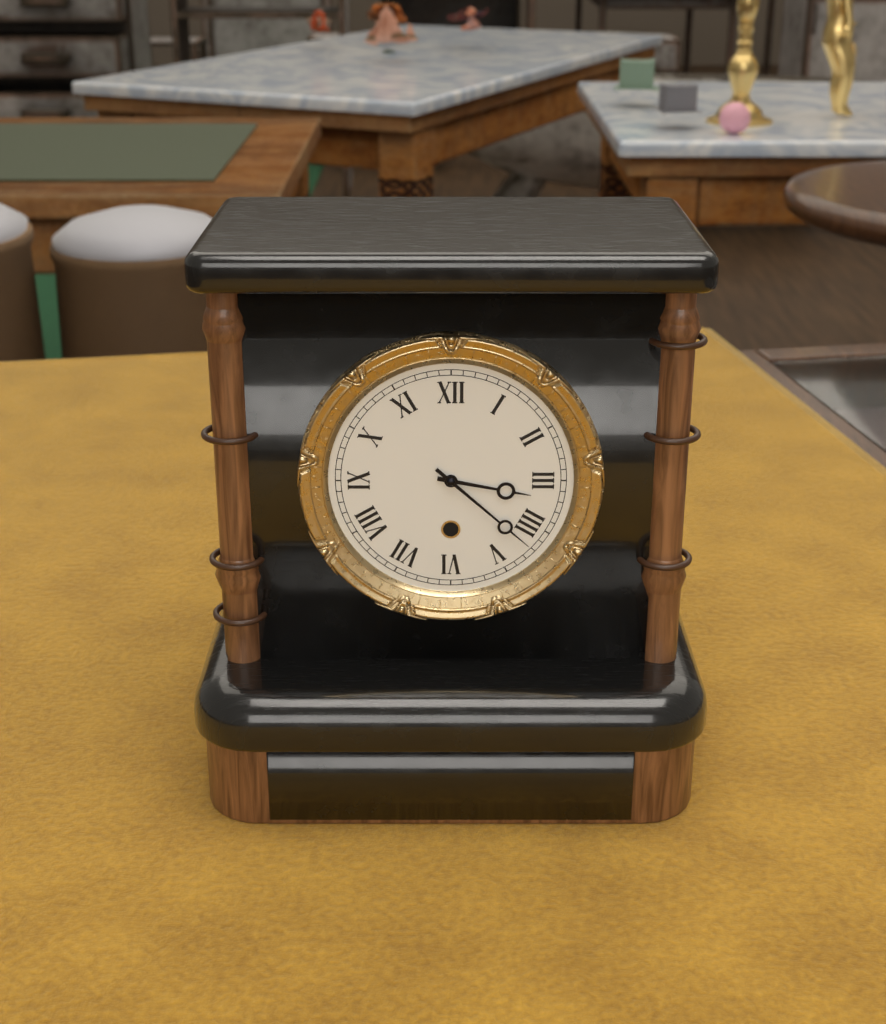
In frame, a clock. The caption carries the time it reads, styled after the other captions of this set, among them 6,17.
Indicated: 3,22
